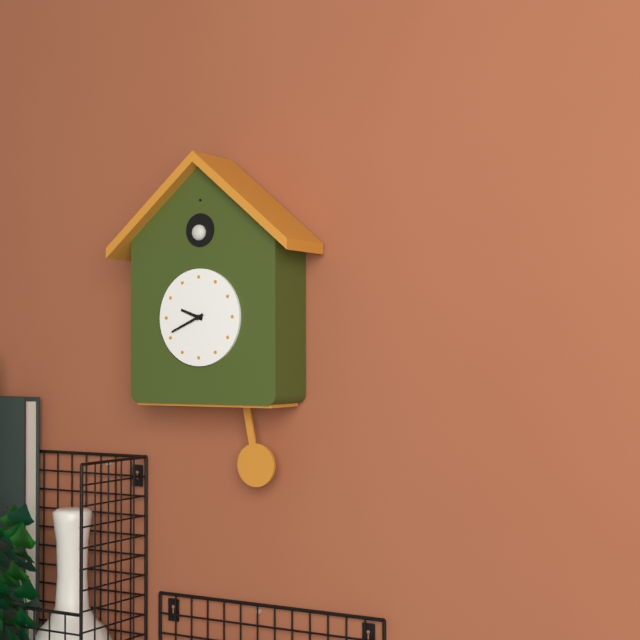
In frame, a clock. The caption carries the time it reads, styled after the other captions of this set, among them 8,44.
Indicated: 9,41
